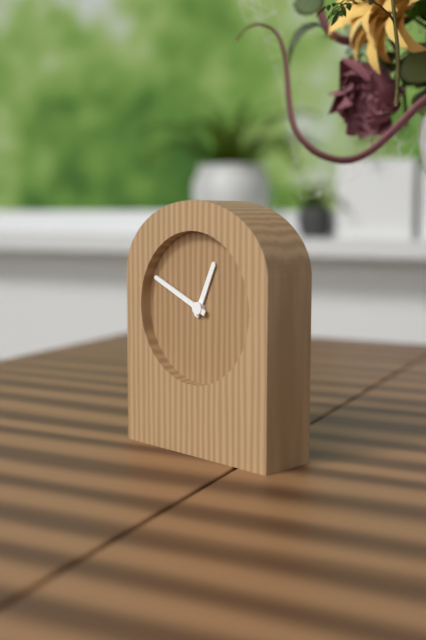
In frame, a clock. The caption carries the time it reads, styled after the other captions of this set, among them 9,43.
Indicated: 12,49
